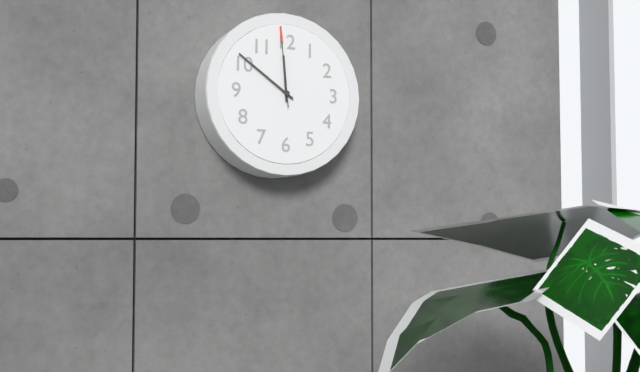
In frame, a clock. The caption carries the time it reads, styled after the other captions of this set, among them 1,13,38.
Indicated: 11,51,59
